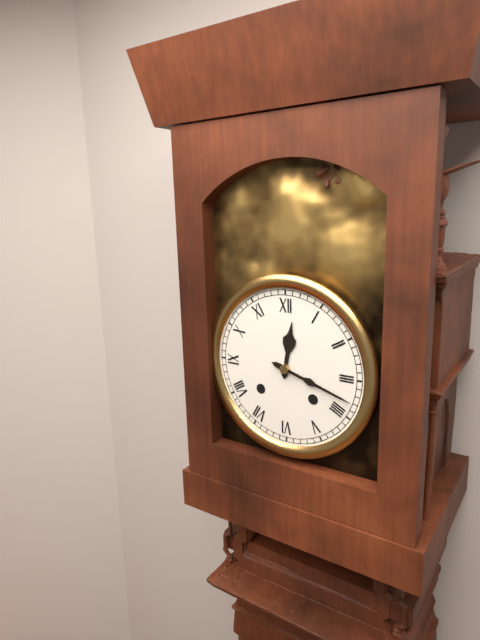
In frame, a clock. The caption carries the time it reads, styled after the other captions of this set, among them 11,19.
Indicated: 12,18
